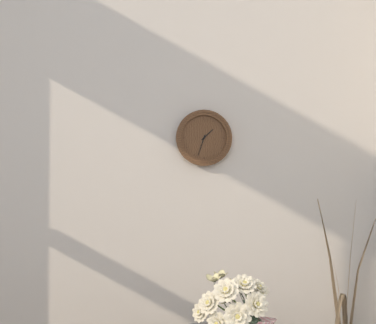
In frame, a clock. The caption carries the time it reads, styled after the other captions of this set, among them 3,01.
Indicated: 1,33
